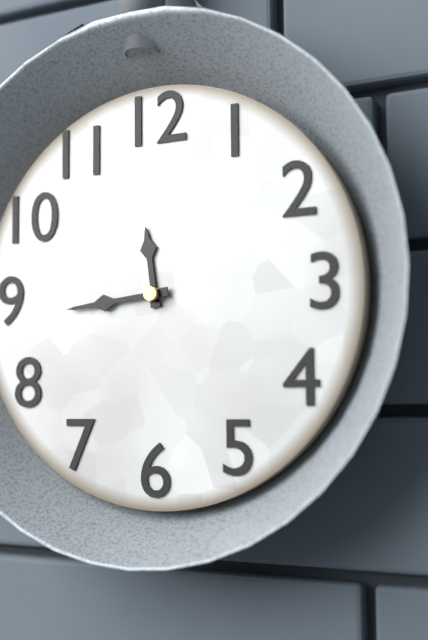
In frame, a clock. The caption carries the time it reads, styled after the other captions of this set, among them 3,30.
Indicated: 11,44
